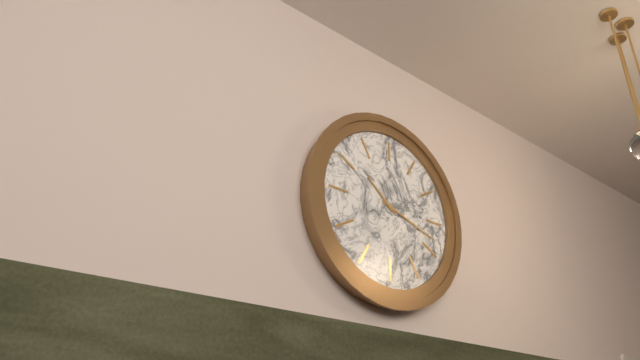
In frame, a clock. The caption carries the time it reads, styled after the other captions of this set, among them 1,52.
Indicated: 10,18
